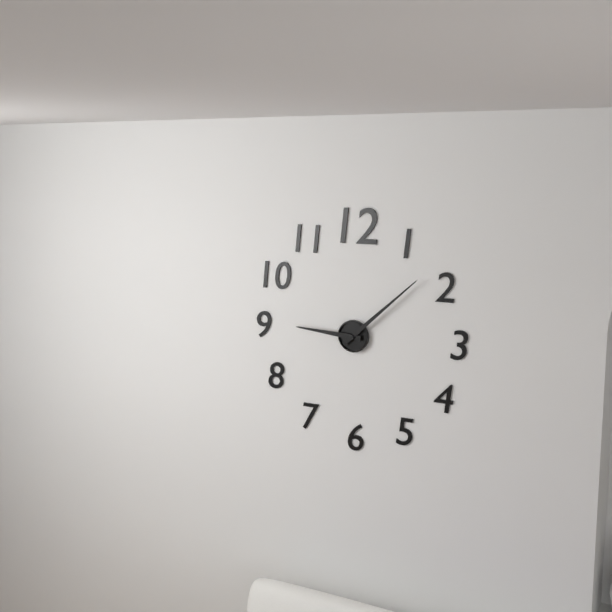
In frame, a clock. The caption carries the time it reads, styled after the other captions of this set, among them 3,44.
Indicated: 9,08
